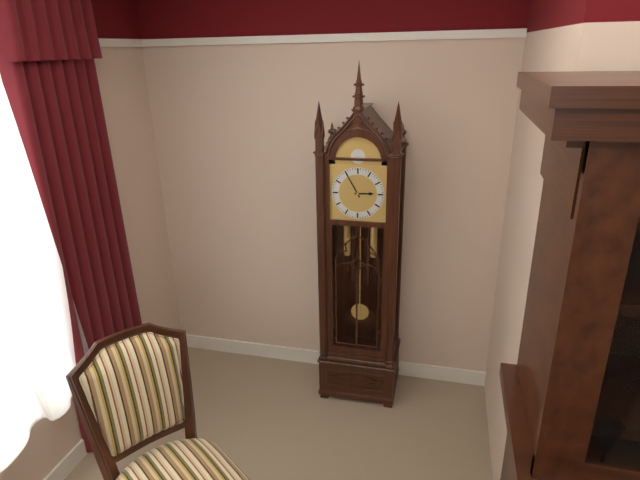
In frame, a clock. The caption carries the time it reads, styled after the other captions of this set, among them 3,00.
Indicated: 2,55
